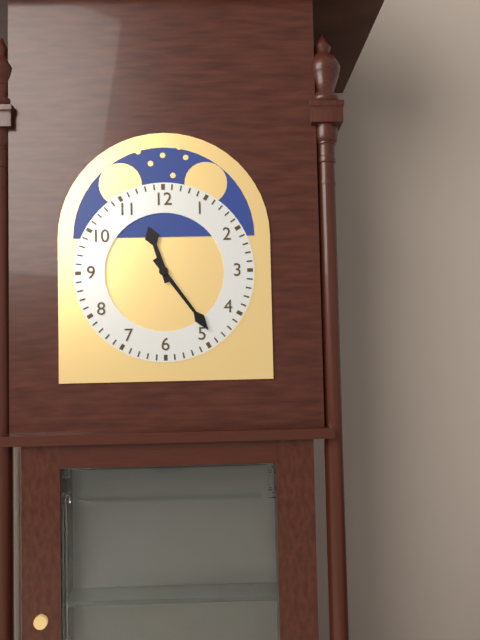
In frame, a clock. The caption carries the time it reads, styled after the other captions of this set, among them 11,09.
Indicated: 11,24
